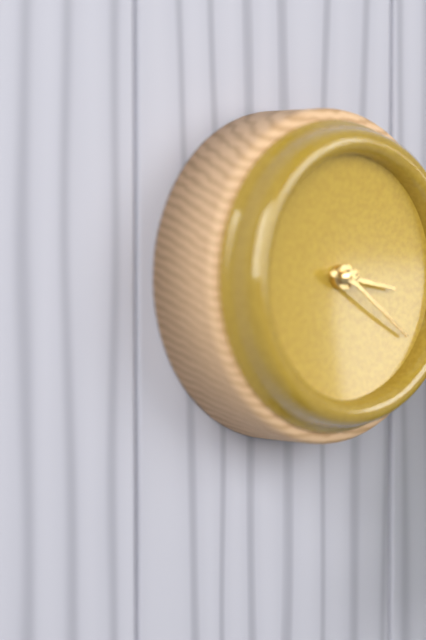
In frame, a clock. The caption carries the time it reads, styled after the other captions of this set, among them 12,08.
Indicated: 3,21
